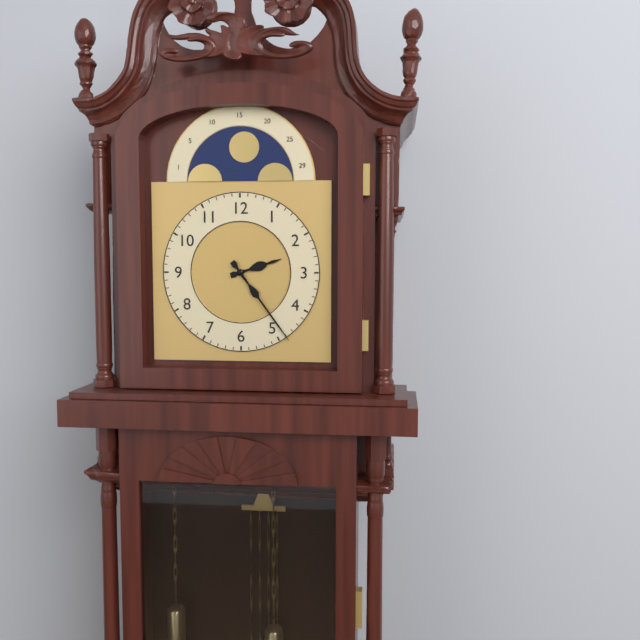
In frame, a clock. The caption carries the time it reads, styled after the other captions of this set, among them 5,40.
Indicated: 2,24
